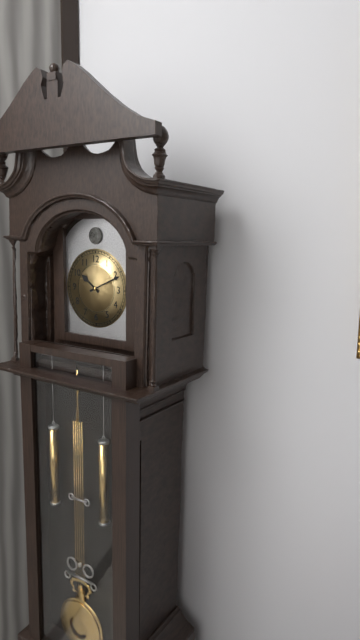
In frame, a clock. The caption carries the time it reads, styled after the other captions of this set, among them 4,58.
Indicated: 10,11
